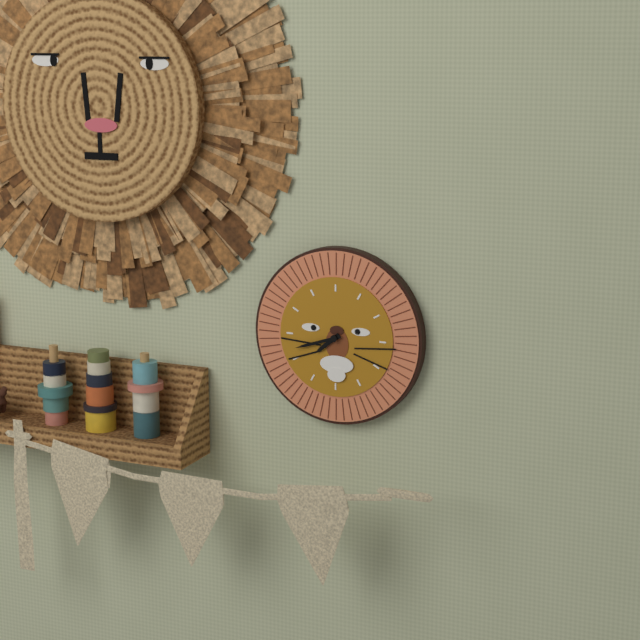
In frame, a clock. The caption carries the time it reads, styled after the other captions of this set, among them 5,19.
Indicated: 7,42
